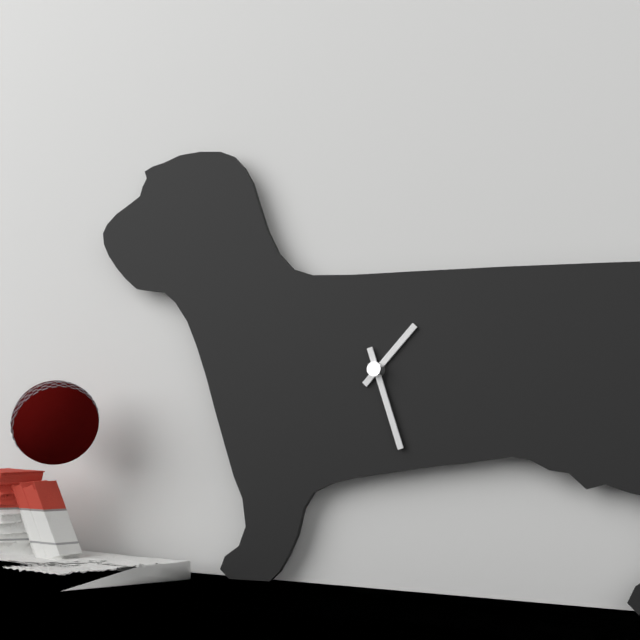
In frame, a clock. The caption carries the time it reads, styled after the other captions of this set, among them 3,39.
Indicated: 1,27
